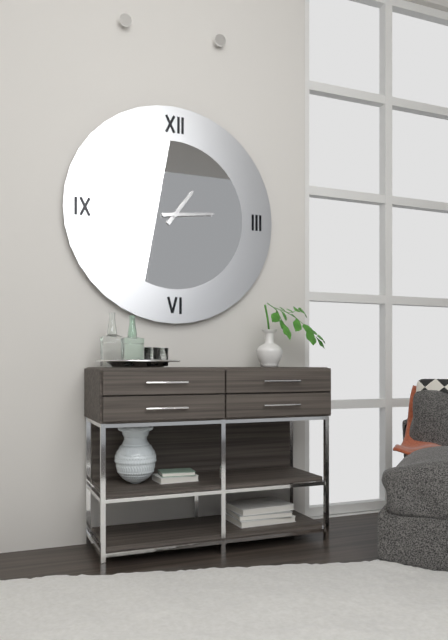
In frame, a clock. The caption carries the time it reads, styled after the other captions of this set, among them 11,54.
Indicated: 1,14
